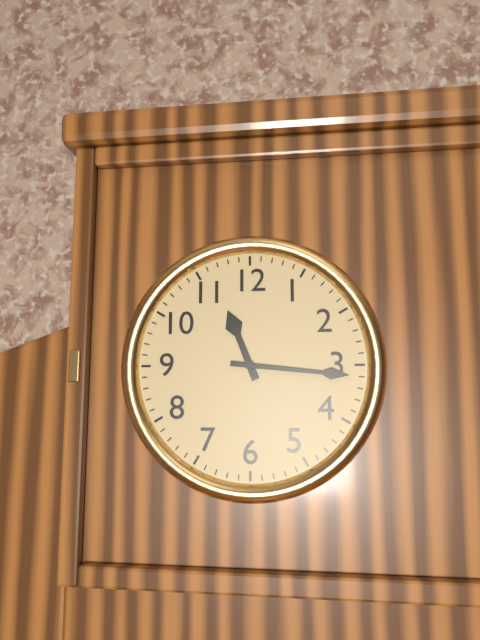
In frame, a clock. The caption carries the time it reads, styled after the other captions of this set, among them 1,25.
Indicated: 11,16
